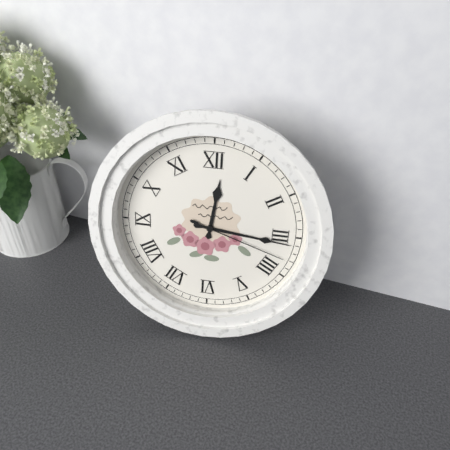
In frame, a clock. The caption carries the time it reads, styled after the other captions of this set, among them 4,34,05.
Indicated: 12,16,18
